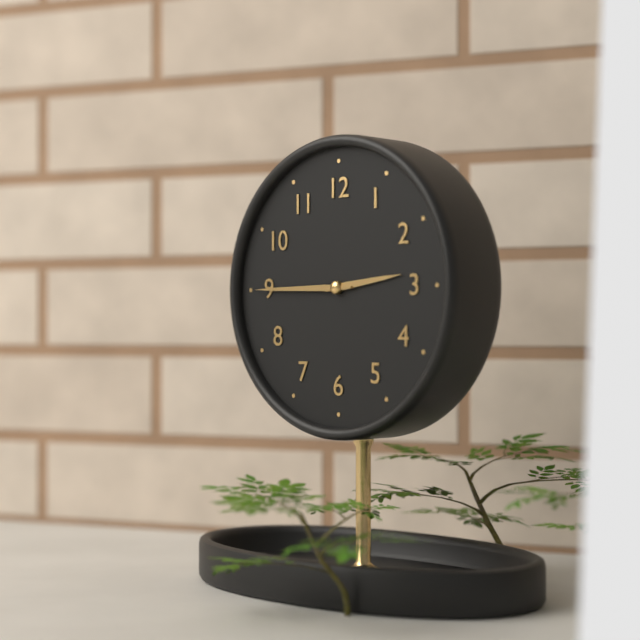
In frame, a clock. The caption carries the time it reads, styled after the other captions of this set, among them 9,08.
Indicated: 2,45
